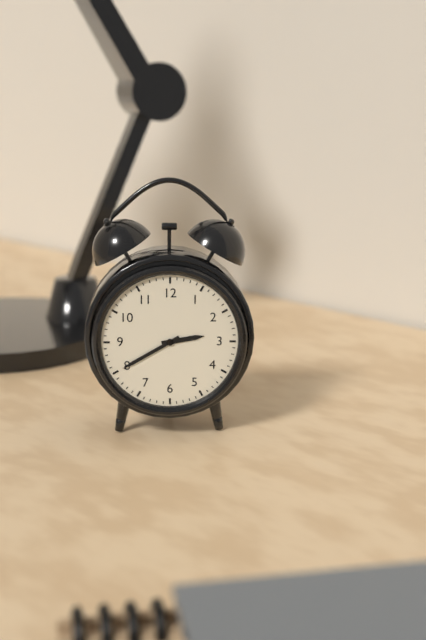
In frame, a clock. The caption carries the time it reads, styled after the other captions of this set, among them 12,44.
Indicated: 2,40
